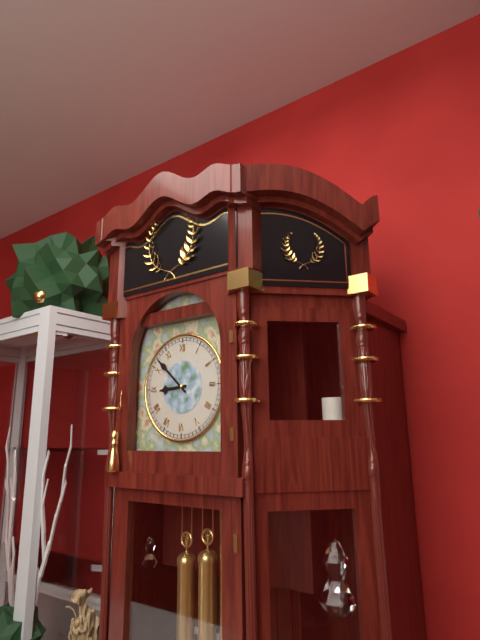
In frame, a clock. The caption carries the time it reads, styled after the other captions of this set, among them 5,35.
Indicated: 8,52
